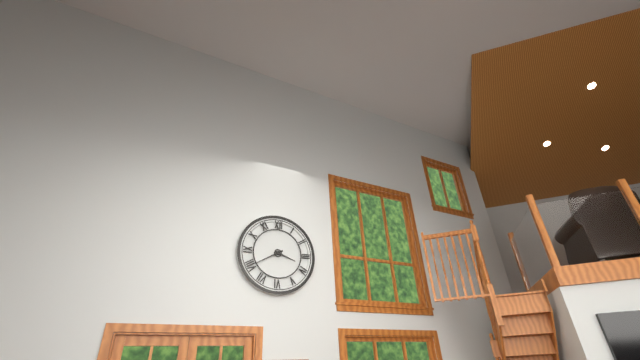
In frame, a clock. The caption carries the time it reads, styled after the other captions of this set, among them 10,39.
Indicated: 3,40
